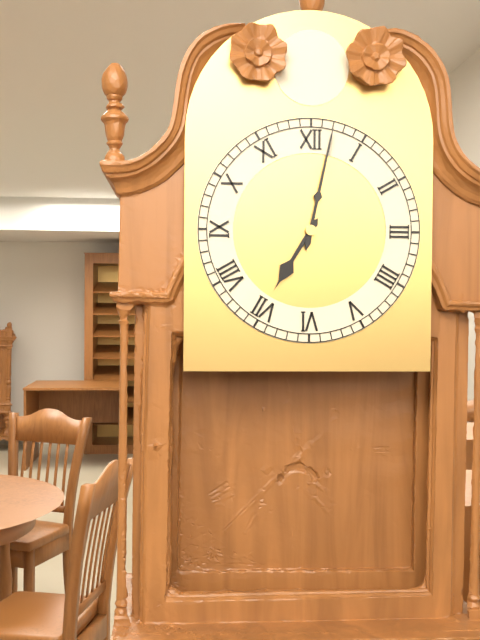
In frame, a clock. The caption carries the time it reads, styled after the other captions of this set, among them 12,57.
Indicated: 7,02
